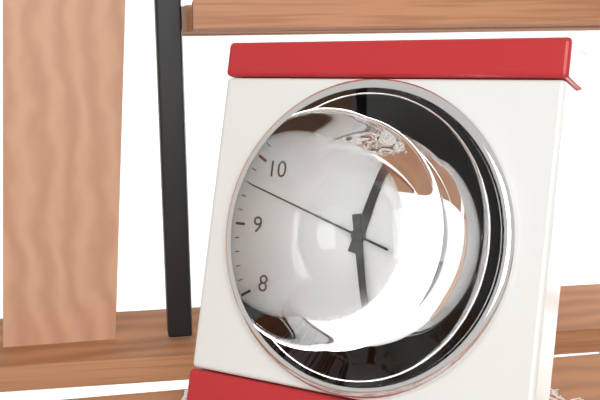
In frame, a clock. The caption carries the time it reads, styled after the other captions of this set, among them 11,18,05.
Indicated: 12,28,48
